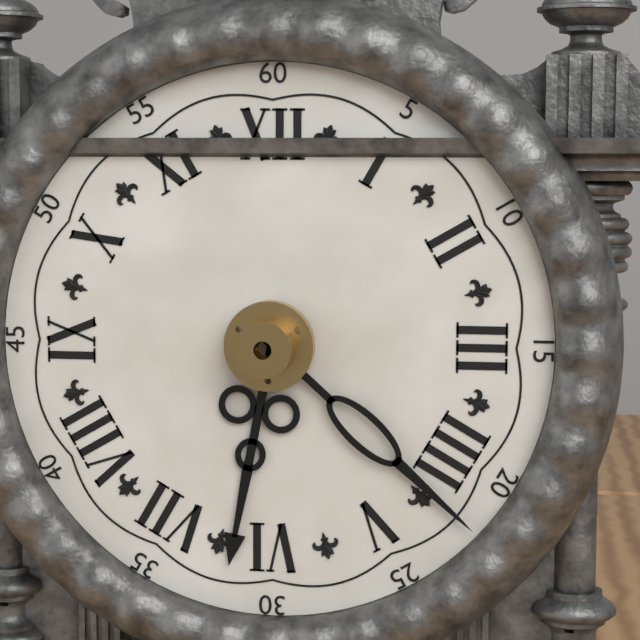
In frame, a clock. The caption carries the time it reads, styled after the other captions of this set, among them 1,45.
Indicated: 6,22
